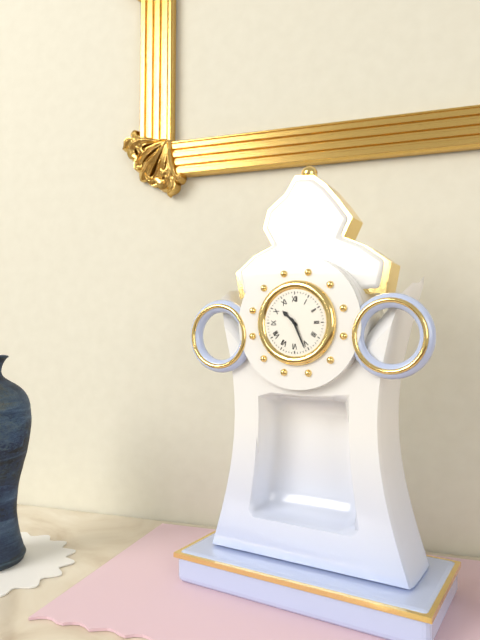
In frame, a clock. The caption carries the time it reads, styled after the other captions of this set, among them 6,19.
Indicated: 10,26
